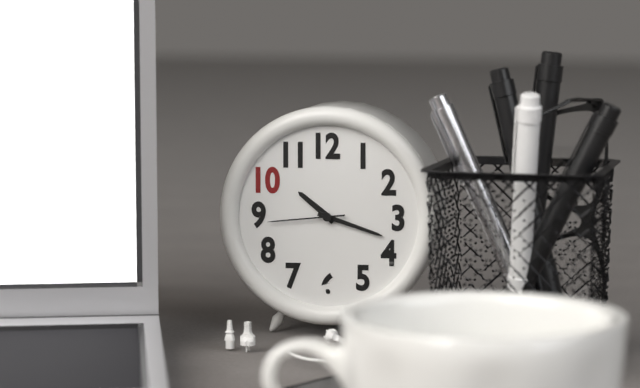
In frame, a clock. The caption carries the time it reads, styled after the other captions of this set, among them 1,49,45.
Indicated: 10,18,44
